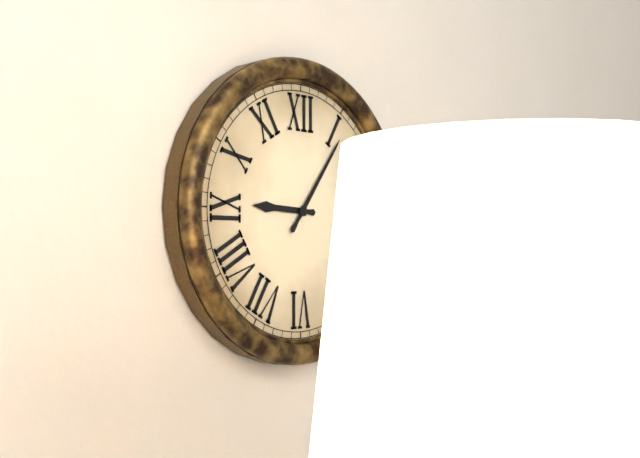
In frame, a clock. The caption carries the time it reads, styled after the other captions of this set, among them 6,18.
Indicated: 9,06
